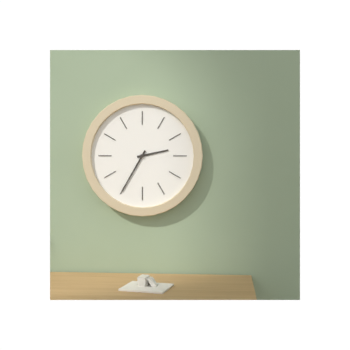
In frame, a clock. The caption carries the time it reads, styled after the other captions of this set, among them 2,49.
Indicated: 2,35
